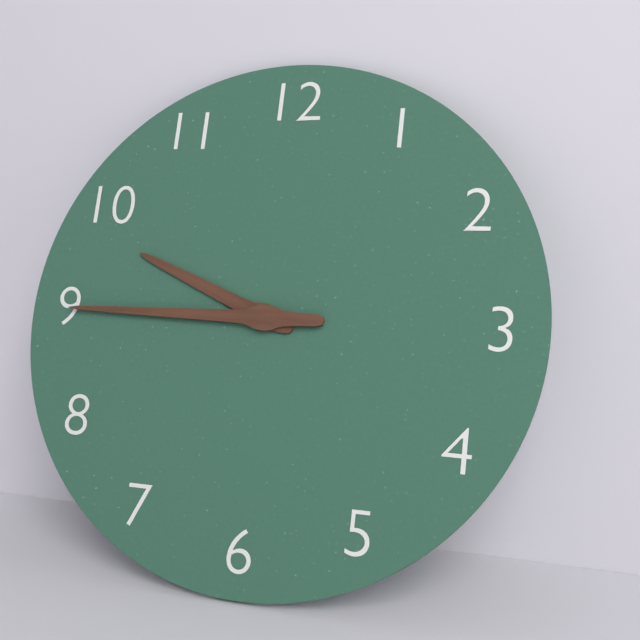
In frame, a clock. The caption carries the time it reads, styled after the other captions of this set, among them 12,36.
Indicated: 9,45
